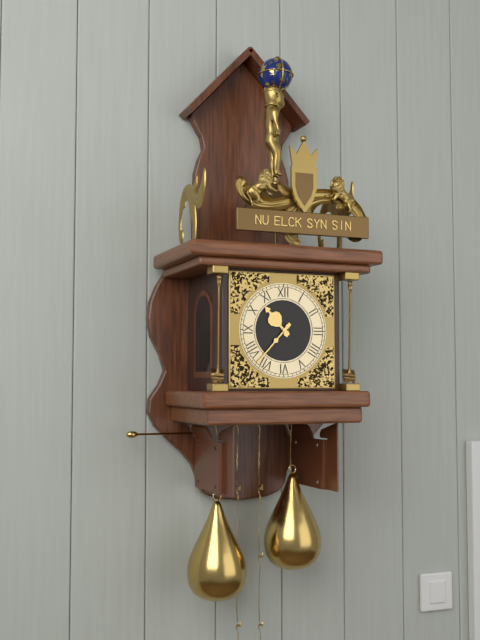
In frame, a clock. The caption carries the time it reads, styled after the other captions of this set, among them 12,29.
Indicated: 10,37
